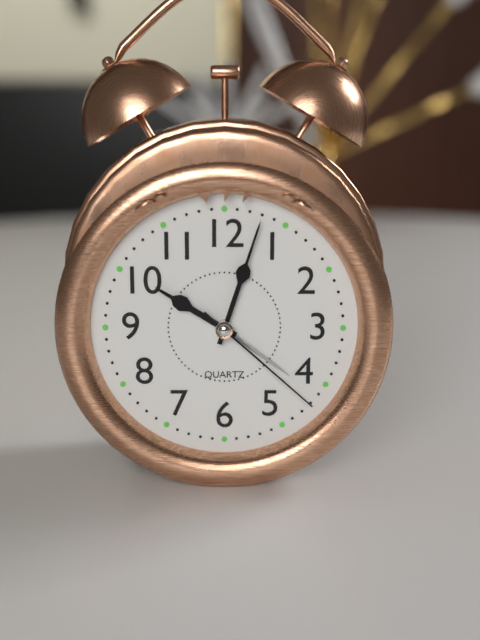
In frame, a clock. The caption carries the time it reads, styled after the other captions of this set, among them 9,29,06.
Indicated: 10,03,22
